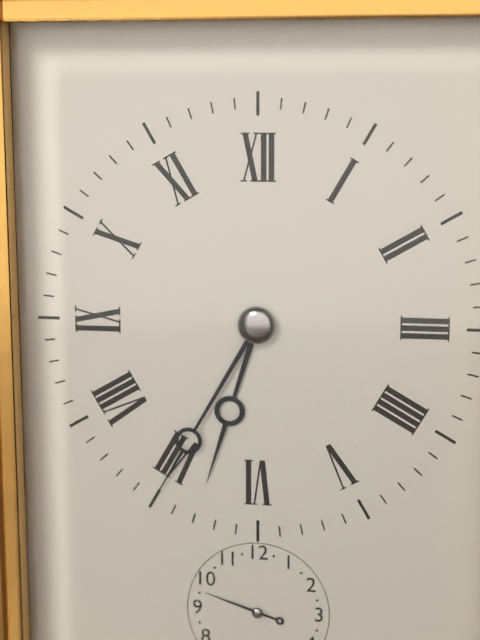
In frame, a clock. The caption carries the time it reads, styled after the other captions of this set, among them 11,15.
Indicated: 6,35
